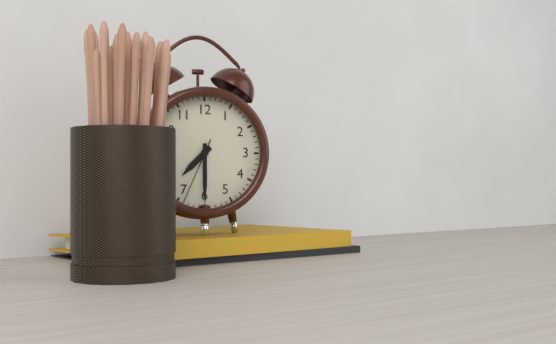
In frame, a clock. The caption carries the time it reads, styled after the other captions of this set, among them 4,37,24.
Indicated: 7,30,34
